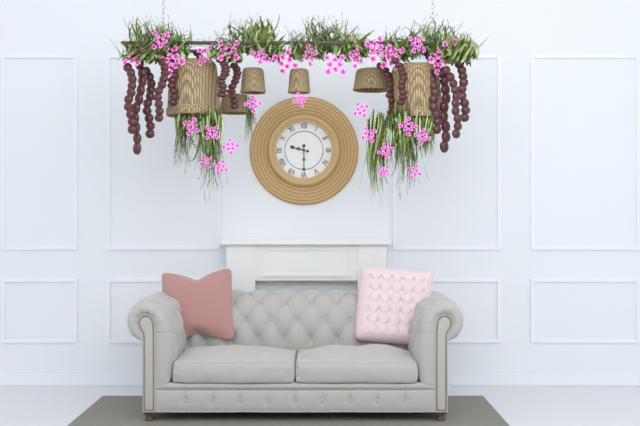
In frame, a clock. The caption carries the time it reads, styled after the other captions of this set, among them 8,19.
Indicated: 9,30
